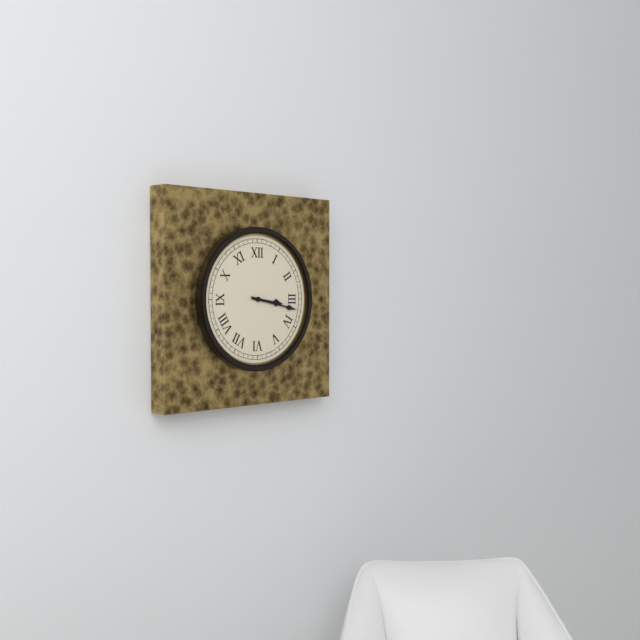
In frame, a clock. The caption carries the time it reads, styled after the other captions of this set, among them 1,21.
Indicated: 3,17
